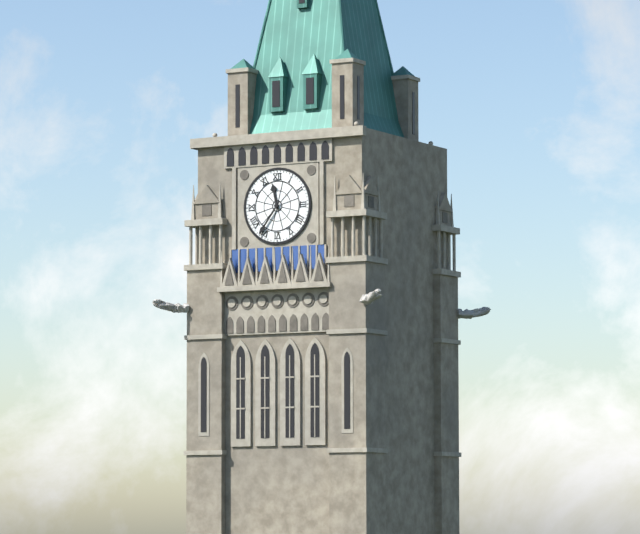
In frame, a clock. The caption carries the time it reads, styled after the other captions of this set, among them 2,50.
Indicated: 11,36
